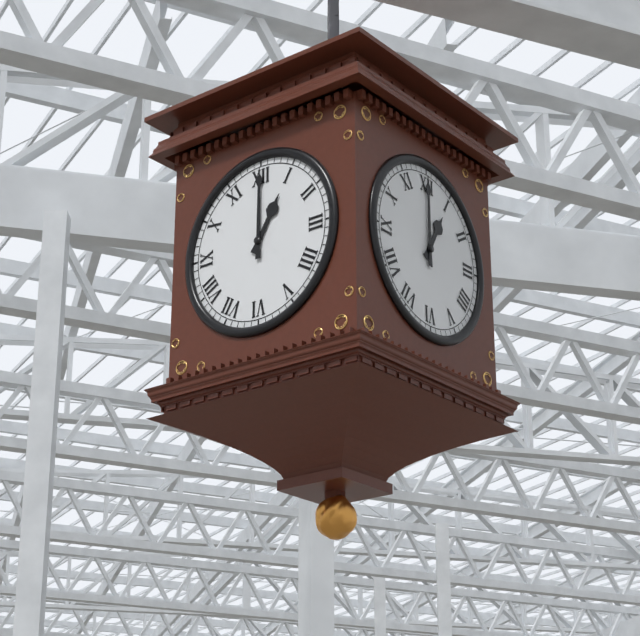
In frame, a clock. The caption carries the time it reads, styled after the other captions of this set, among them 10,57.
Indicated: 1,00
